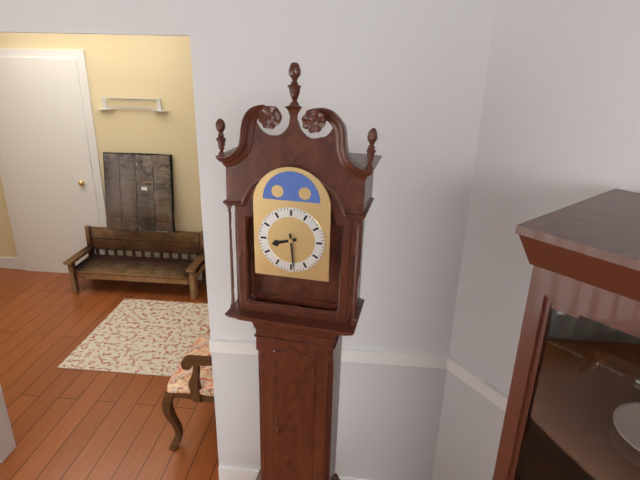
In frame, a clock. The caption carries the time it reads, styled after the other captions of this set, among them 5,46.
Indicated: 8,29
